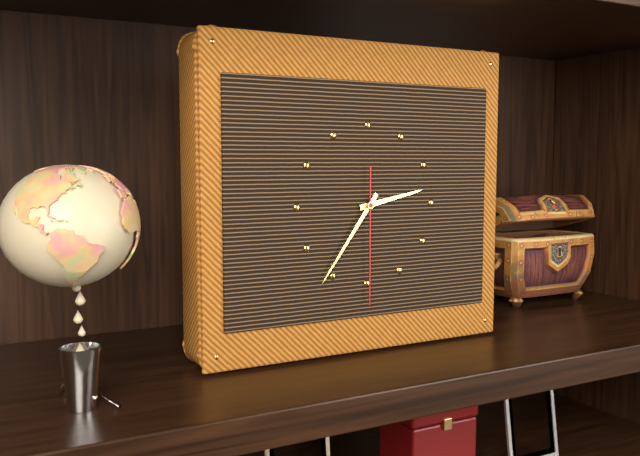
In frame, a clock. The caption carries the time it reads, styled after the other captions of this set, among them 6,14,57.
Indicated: 2,36,30
